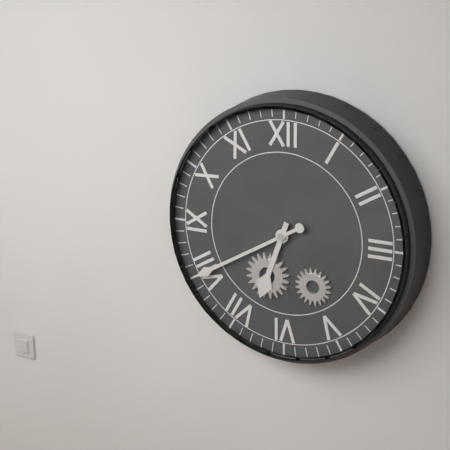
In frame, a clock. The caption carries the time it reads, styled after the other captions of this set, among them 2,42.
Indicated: 6,40
